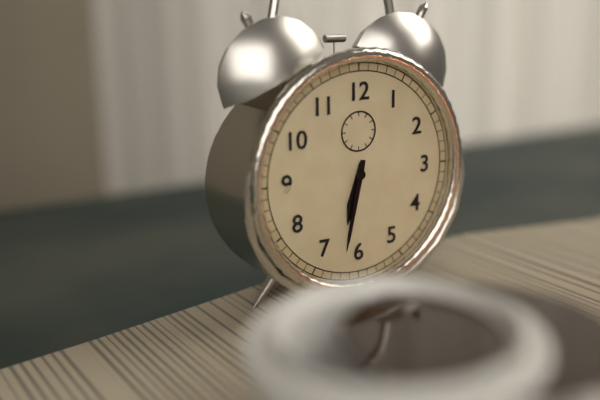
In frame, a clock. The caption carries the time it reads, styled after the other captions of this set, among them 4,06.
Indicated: 6,32
